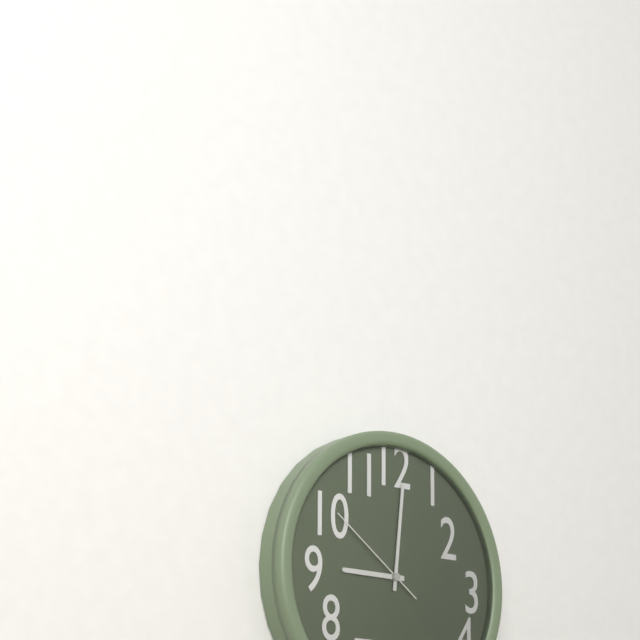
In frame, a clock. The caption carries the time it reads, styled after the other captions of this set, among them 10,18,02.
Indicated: 9,01,51
